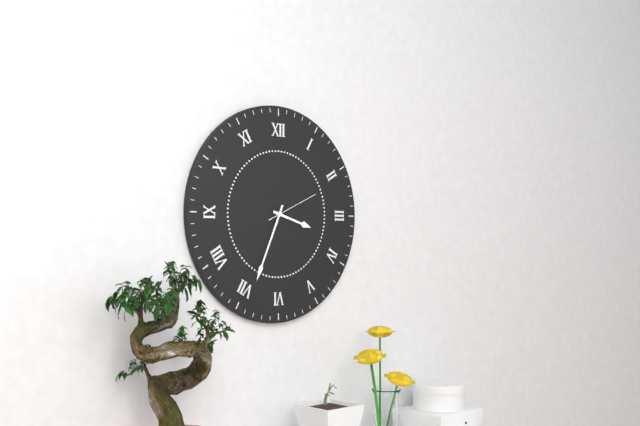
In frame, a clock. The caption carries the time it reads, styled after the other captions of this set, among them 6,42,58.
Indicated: 3,34,11
